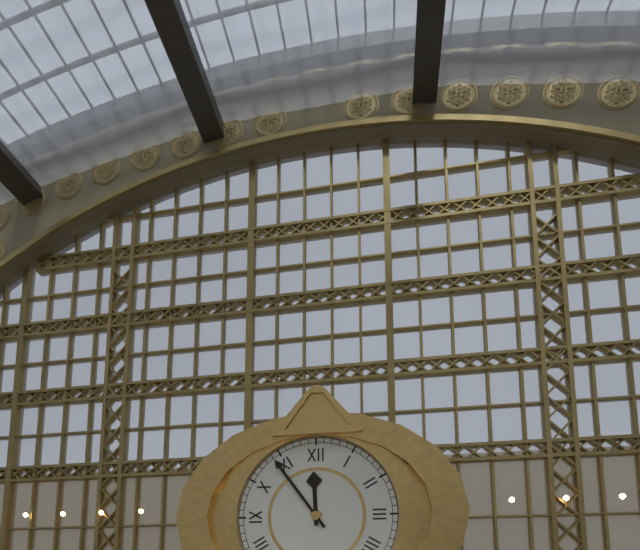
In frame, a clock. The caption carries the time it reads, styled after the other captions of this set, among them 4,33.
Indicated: 11,54
